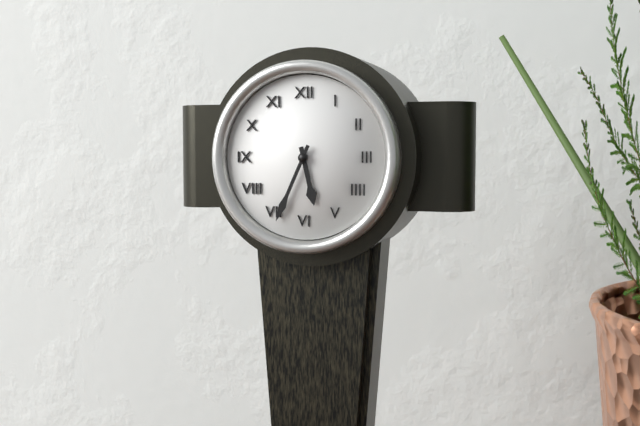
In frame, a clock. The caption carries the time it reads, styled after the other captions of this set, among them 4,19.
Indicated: 5,34
